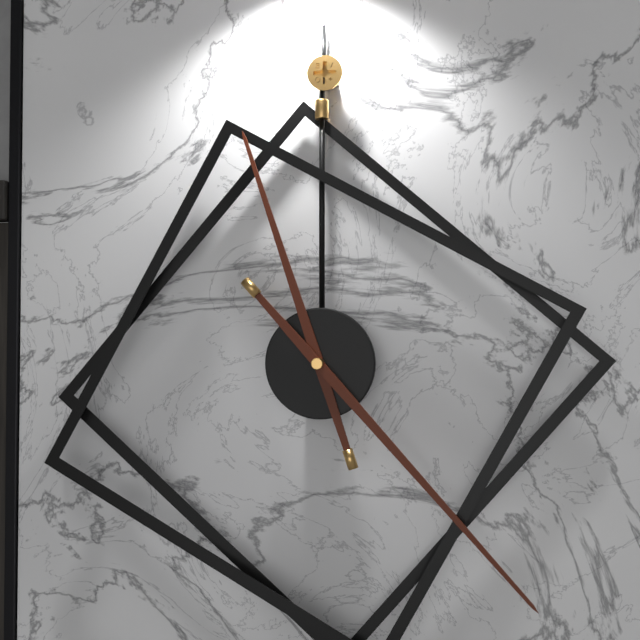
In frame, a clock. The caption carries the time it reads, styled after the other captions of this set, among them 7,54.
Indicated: 11,23
